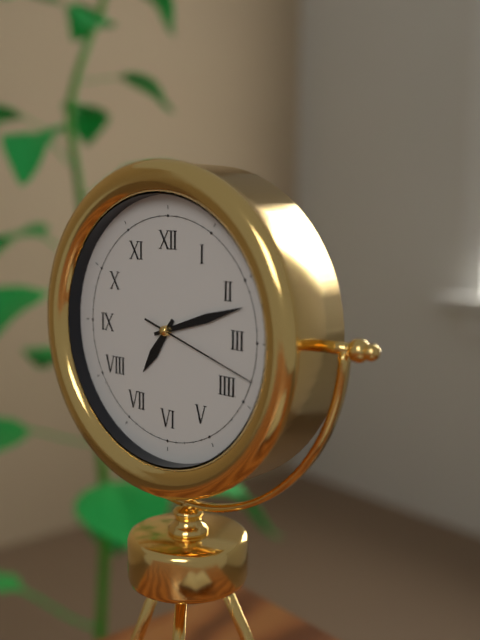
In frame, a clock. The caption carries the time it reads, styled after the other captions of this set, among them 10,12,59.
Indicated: 7,12,18
